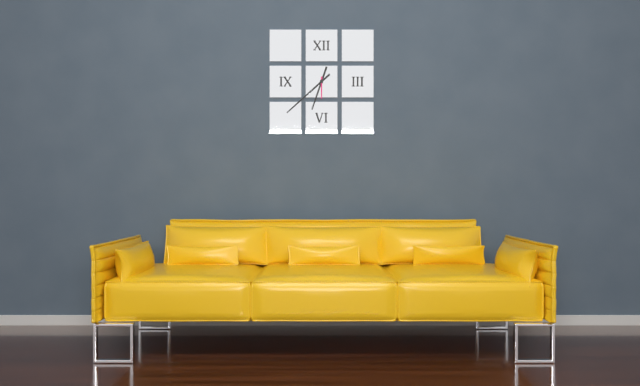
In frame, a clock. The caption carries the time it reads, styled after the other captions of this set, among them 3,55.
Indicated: 6,38
